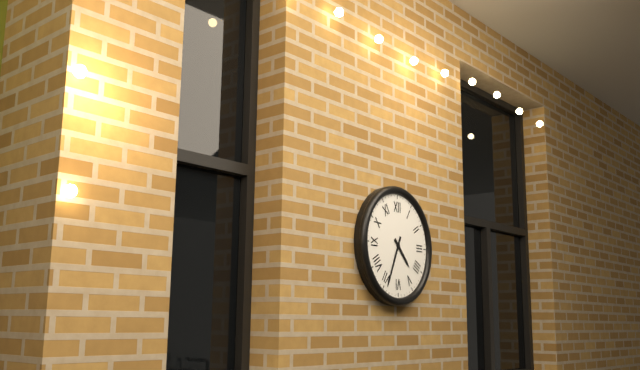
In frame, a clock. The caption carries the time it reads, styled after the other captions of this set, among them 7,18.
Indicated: 4,34
